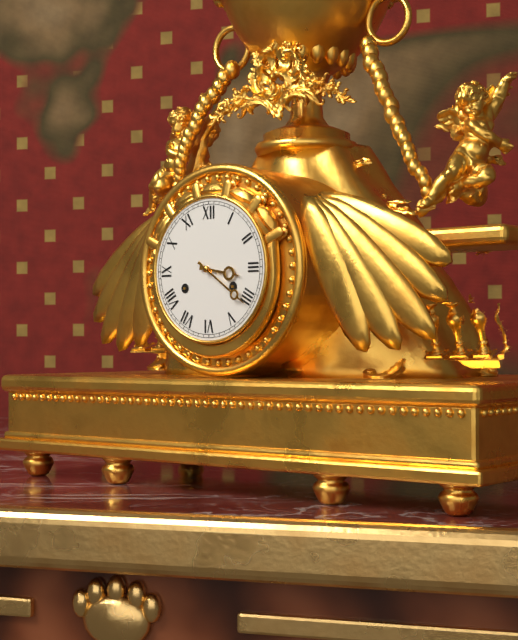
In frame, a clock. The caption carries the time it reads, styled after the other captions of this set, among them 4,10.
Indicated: 3,21
